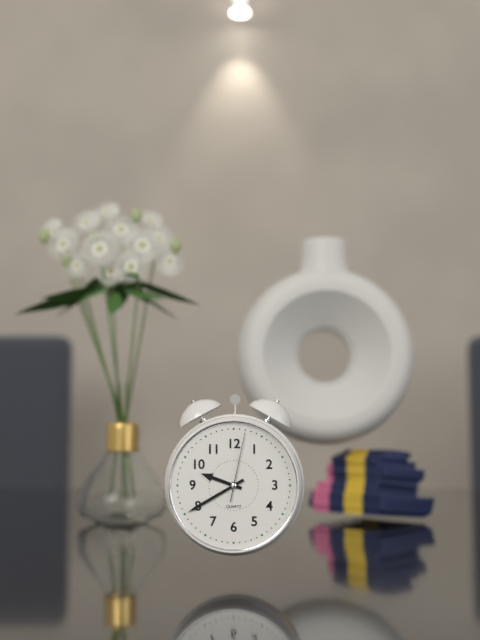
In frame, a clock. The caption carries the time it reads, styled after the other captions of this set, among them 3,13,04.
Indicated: 9,40,02
